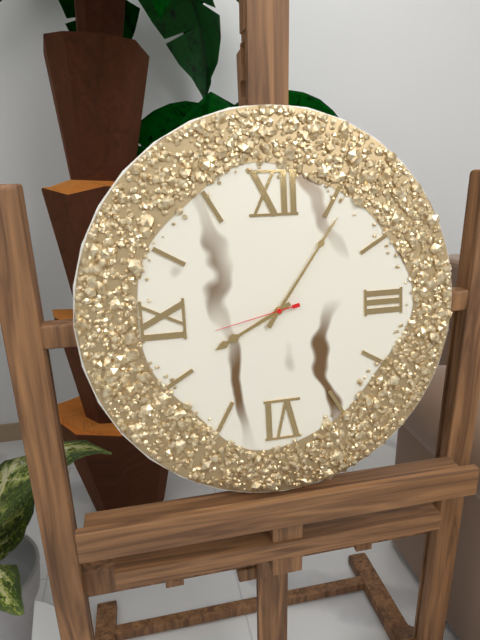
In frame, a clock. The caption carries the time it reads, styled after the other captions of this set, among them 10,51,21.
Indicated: 8,06,43
